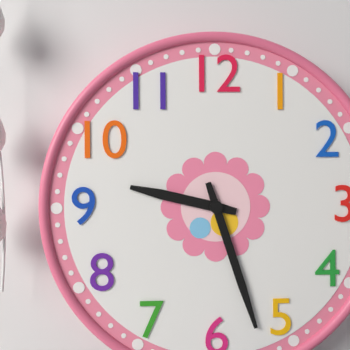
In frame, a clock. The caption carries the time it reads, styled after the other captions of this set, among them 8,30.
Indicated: 9,27
